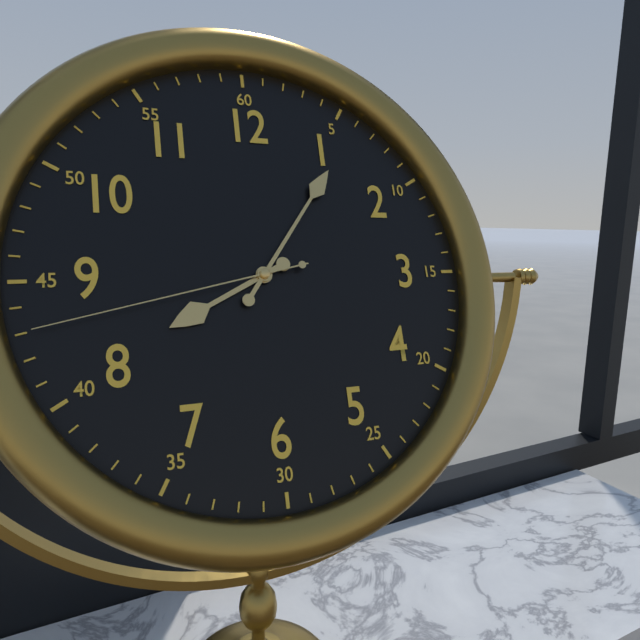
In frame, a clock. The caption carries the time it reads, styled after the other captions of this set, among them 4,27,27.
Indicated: 8,06,43
